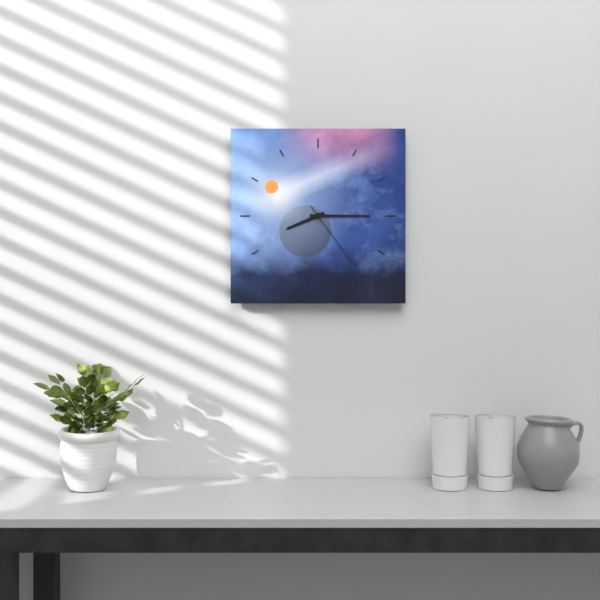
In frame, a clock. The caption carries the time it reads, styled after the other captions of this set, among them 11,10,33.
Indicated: 8,15,24
